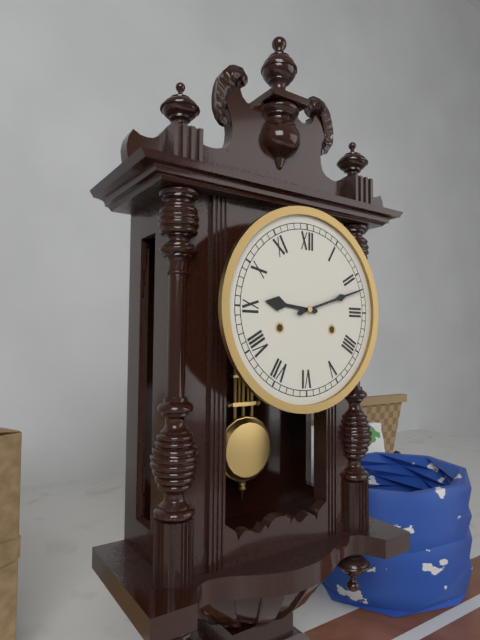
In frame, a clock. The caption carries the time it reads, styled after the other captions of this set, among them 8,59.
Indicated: 9,12
